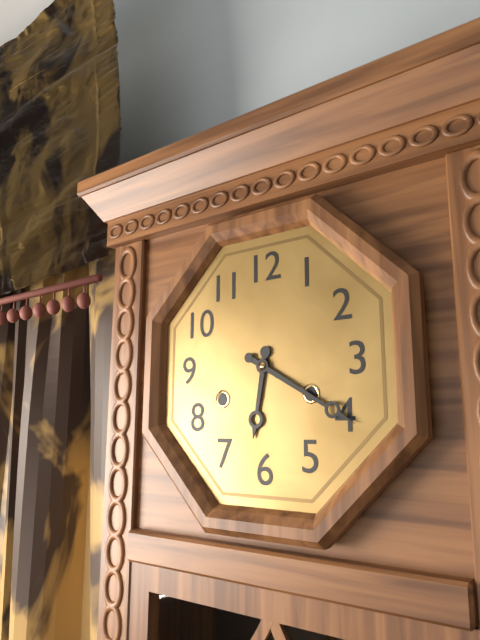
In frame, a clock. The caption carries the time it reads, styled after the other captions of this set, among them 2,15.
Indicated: 6,20
